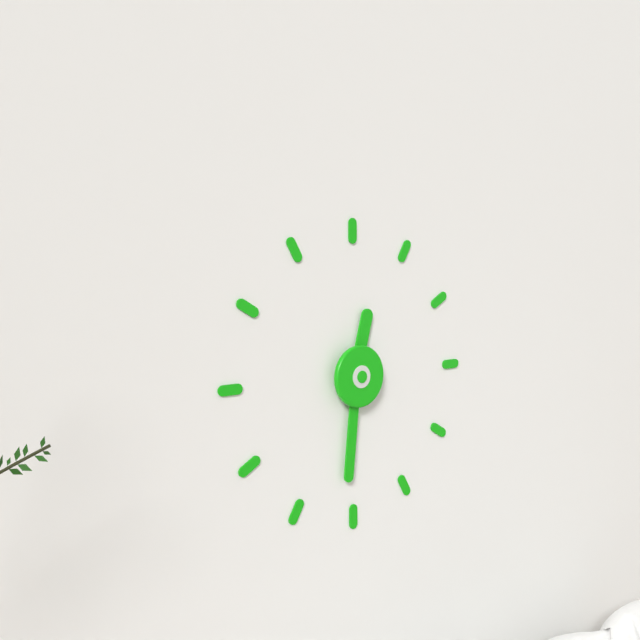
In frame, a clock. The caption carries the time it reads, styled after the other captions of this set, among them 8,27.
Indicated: 12,31
